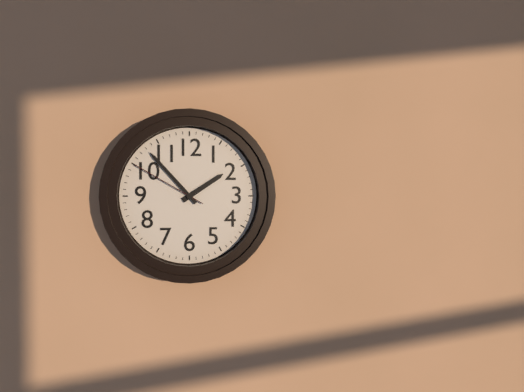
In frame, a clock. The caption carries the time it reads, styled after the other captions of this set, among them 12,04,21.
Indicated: 1,53,50
